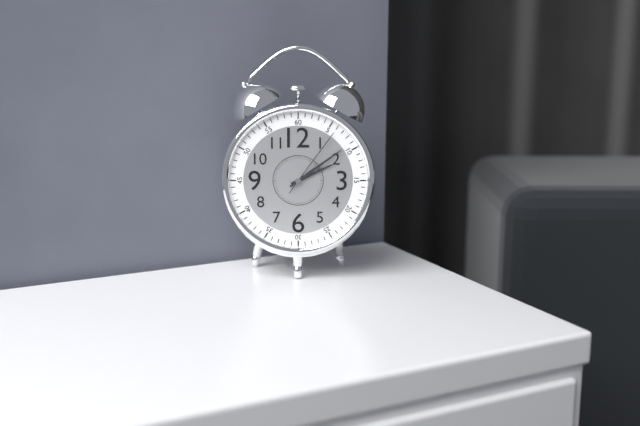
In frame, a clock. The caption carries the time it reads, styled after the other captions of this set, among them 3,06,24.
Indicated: 2,09,06
